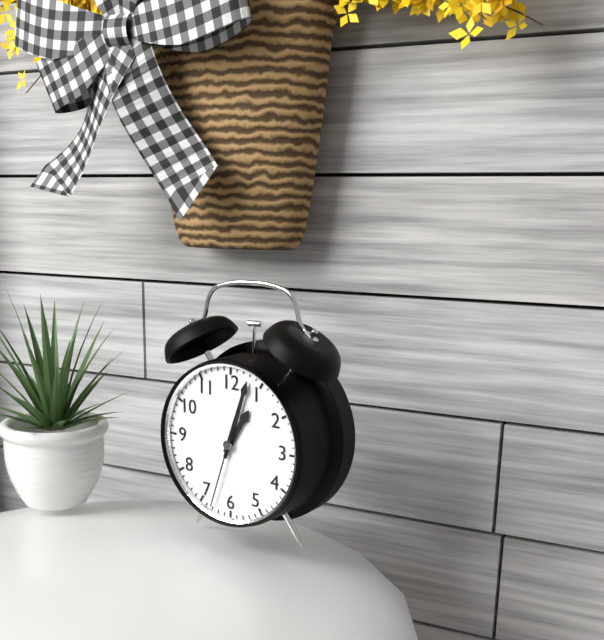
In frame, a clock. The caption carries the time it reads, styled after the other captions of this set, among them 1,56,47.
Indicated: 1,03,33
